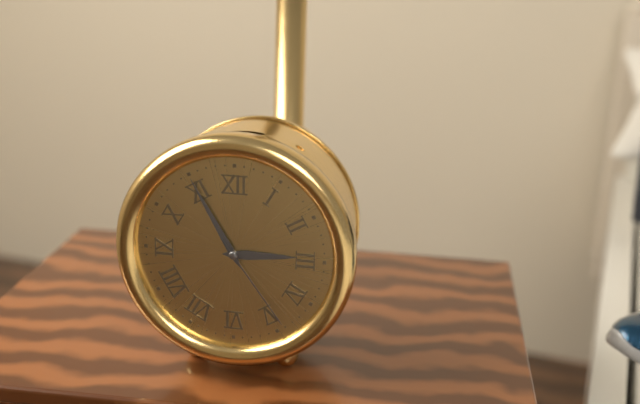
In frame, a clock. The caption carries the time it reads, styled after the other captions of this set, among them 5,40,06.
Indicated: 2,55,24
